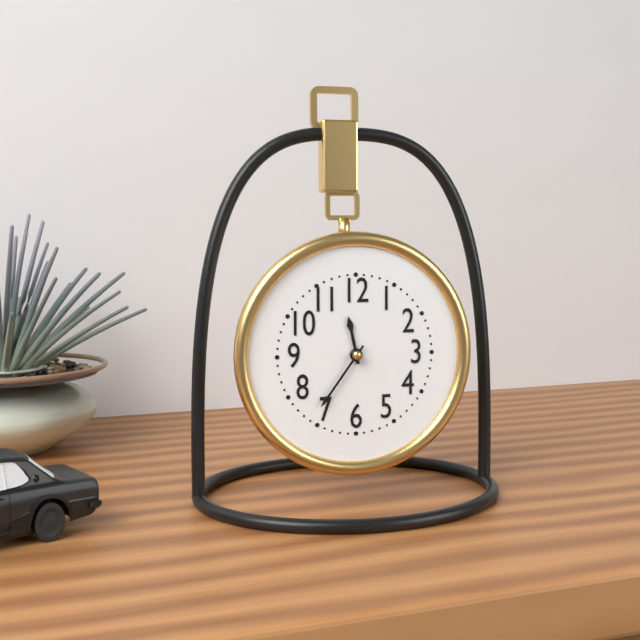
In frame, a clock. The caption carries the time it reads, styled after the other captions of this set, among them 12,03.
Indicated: 11,36
